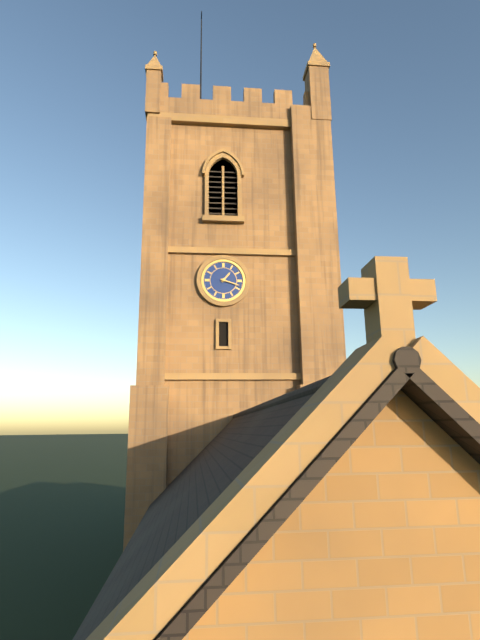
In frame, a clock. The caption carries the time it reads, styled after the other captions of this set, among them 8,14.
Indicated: 1,18
